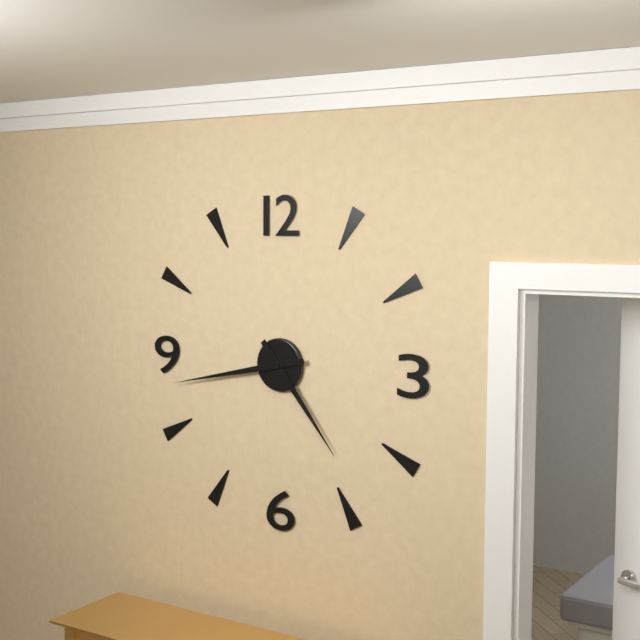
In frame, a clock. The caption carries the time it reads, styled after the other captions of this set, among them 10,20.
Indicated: 4,43
